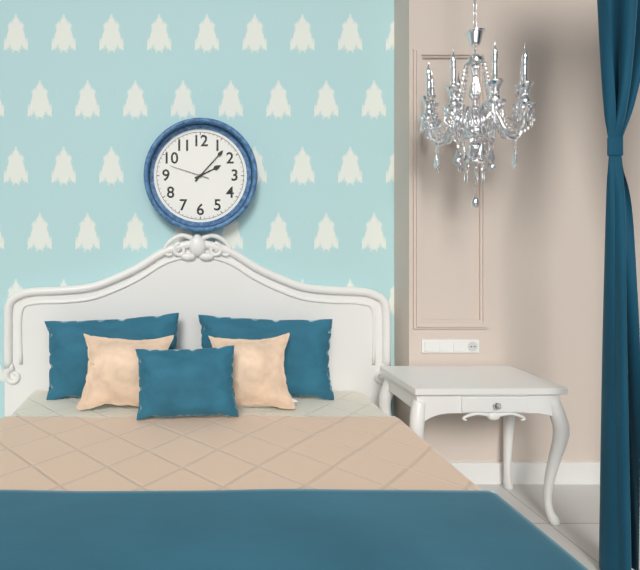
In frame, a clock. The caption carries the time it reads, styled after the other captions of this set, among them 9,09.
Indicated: 2,07
